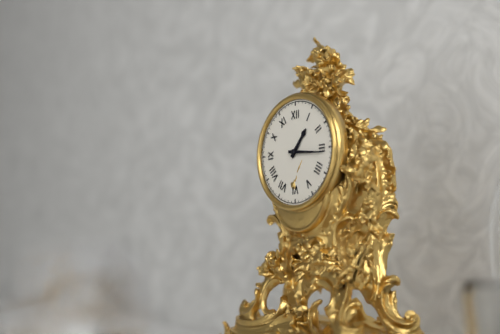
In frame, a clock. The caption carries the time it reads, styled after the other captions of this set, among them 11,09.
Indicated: 1,16
